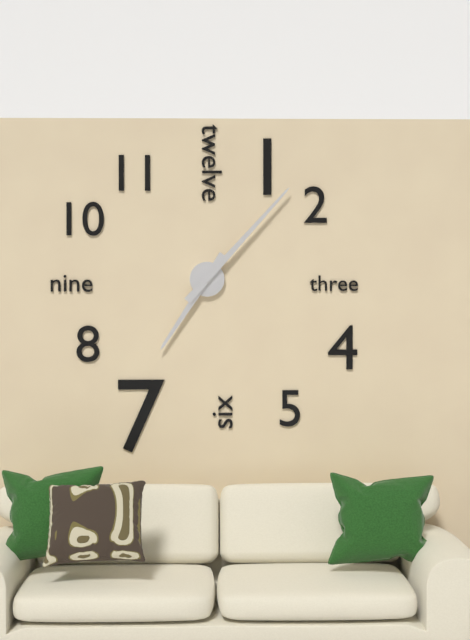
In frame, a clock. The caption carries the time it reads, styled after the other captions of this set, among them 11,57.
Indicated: 7,07
